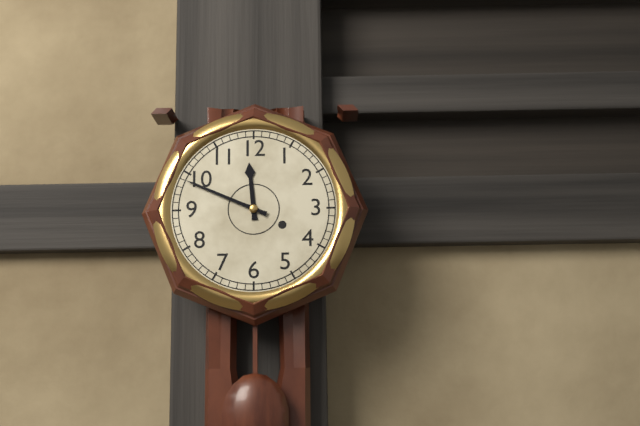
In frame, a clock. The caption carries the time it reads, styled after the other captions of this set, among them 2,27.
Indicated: 11,49
